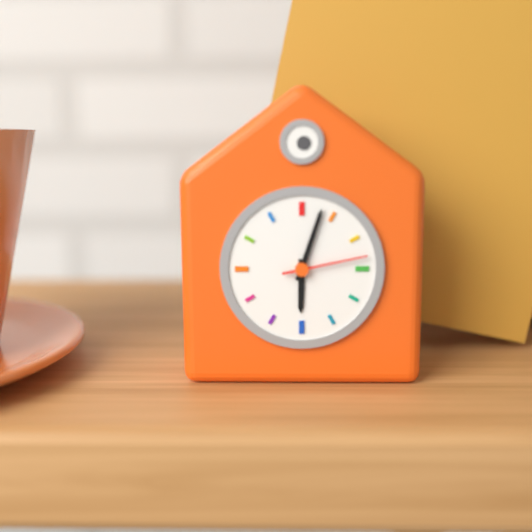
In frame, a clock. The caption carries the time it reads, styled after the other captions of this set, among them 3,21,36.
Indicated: 6,03,13
